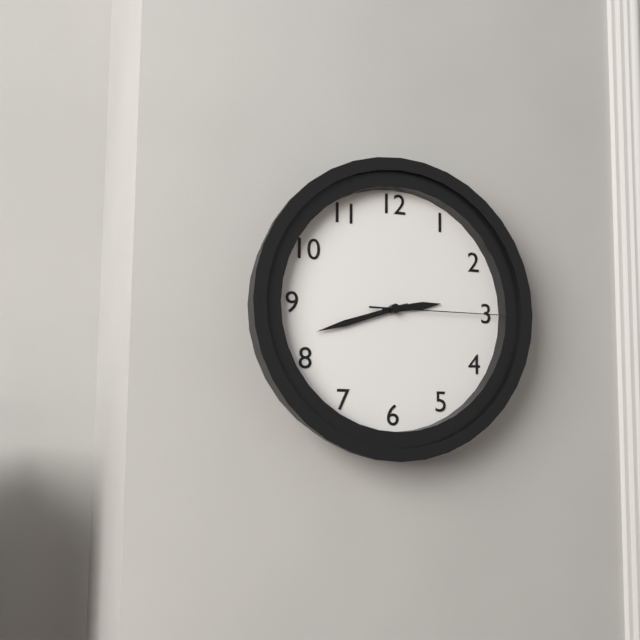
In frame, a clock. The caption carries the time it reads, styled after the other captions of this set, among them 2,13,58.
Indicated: 2,42,15
